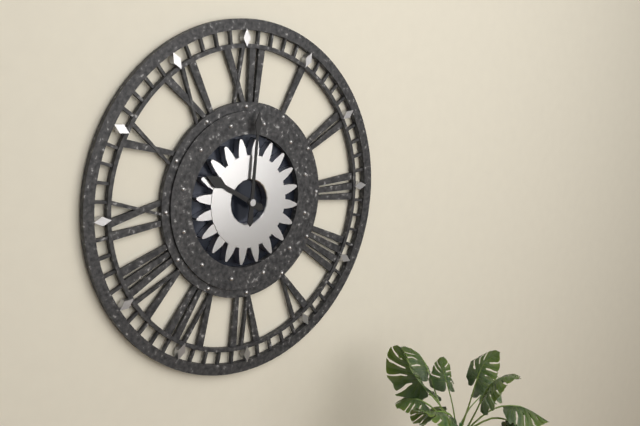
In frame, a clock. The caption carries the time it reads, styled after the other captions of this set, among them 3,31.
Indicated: 10,01
